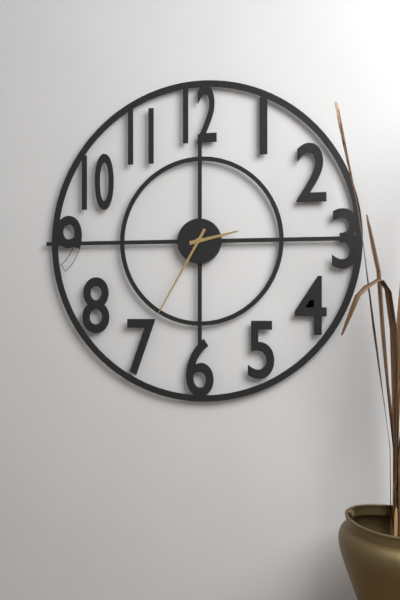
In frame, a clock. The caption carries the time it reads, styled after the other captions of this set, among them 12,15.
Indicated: 2,35
